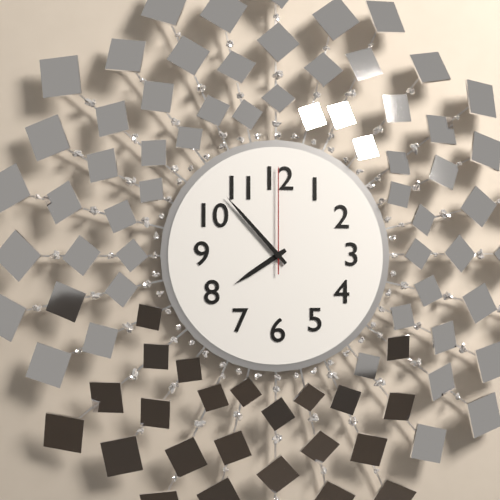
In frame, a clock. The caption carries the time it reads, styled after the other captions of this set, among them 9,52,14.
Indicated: 7,53,00
